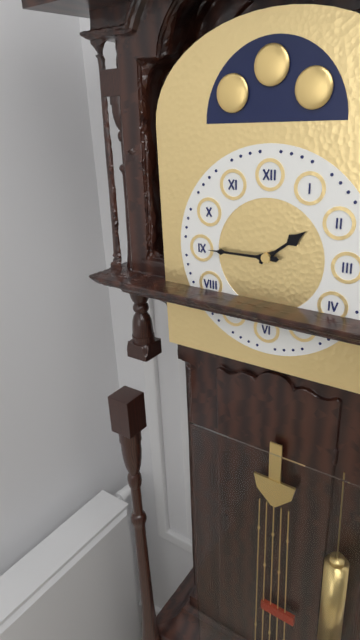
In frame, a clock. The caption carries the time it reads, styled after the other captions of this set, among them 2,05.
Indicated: 1,45
